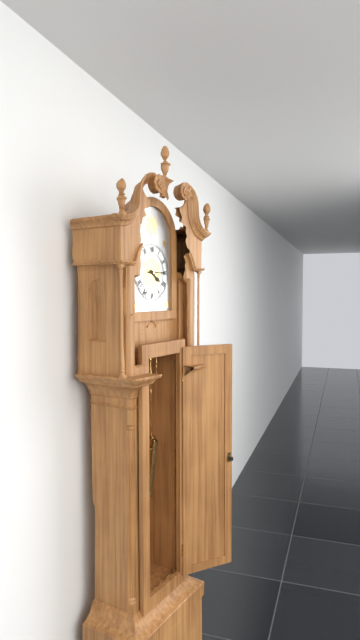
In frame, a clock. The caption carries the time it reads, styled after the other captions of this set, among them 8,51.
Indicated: 4,15
